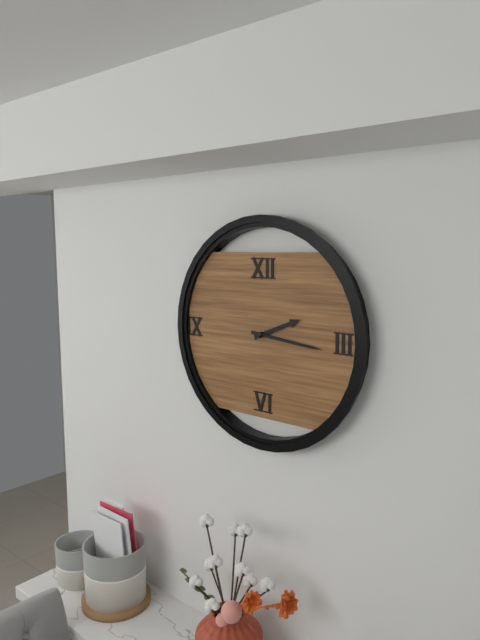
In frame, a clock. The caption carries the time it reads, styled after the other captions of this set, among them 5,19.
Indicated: 2,16
